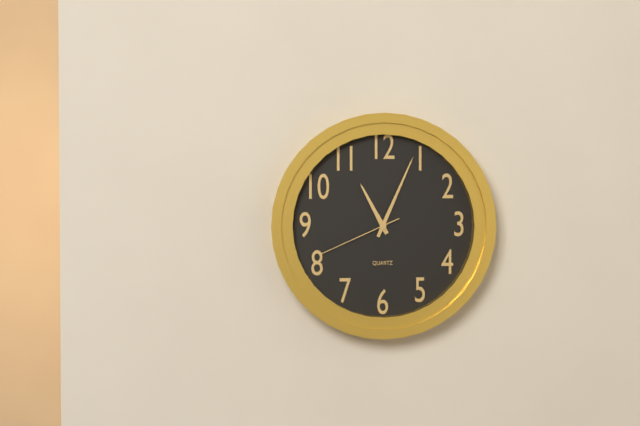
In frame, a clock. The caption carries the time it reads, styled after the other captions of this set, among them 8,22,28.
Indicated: 11,04,41
